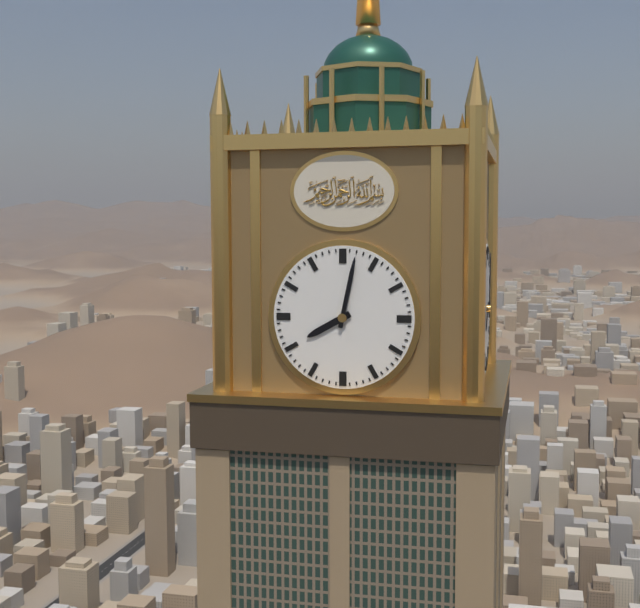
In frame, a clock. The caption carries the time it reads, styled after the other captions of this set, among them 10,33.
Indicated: 8,02
